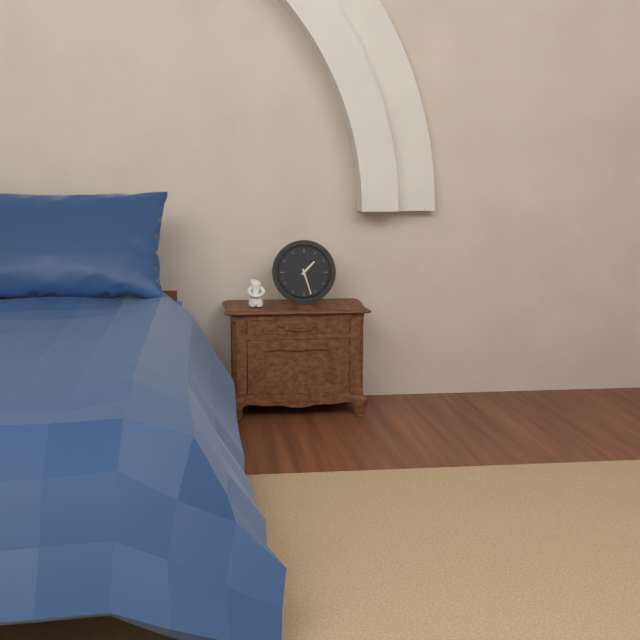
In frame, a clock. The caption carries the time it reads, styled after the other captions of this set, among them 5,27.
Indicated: 1,27
